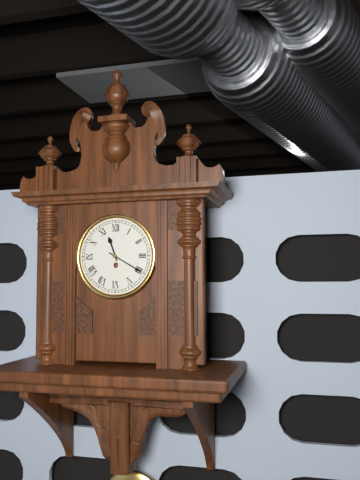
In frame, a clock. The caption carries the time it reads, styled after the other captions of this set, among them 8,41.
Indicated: 11,20
